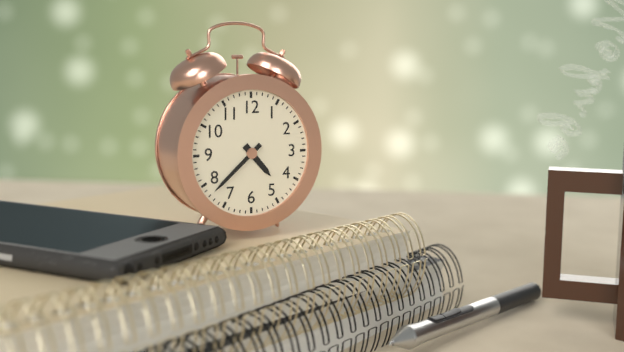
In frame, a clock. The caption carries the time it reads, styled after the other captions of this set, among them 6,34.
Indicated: 4,38
